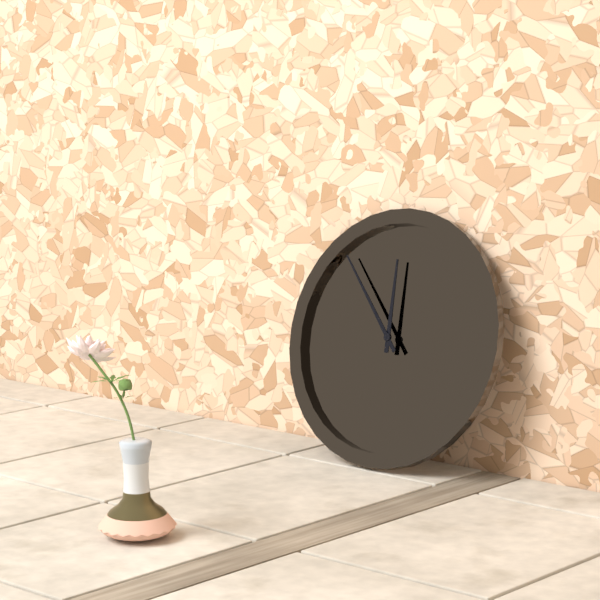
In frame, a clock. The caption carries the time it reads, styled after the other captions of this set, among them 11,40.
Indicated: 11,53
